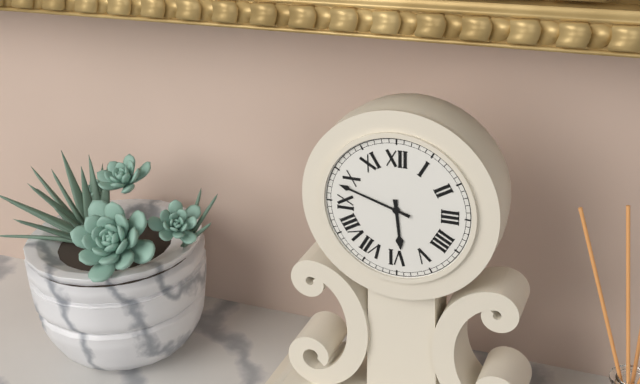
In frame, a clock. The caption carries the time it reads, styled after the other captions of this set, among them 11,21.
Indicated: 5,48
